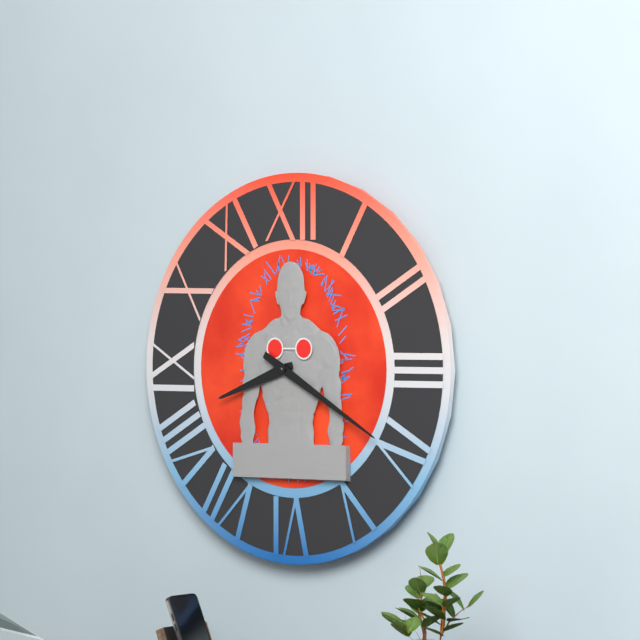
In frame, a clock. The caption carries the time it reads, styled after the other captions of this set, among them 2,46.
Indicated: 8,20
